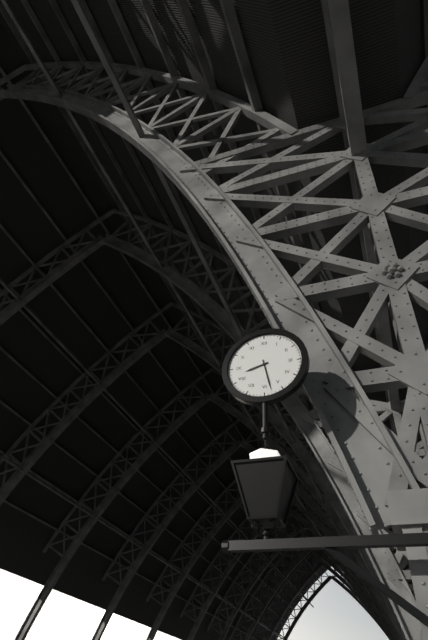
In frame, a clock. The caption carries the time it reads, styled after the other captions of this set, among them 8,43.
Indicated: 8,28
